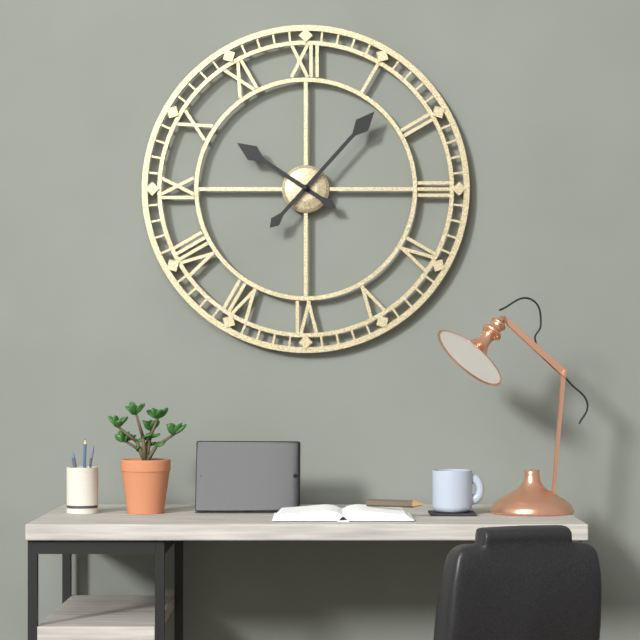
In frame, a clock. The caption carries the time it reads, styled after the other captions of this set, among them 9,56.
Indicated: 10,07
